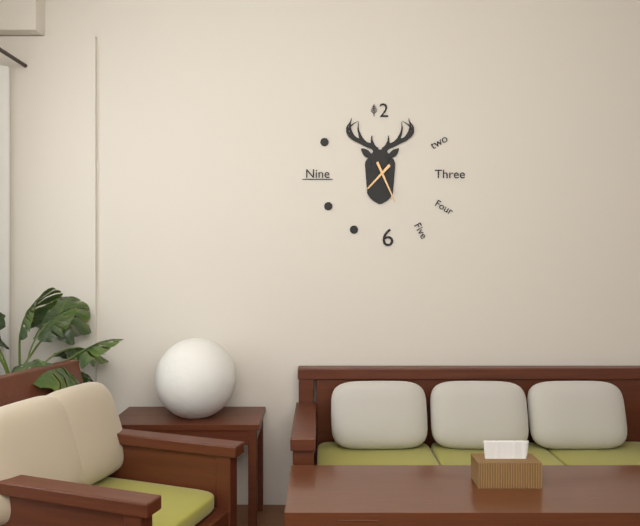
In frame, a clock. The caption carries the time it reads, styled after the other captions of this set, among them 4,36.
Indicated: 7,26
